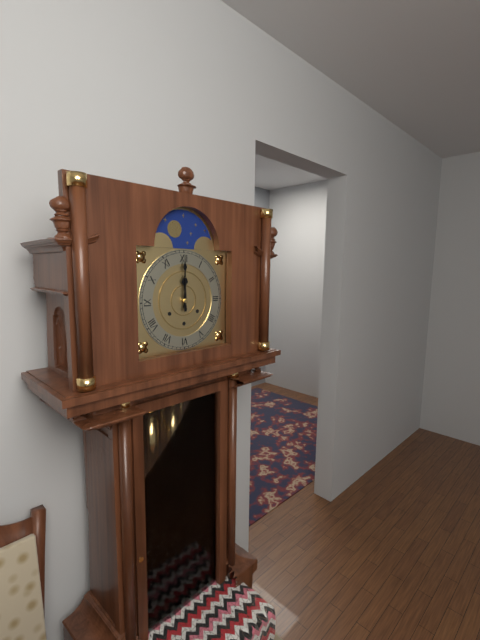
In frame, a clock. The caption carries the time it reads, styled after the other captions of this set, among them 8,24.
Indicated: 12,00
